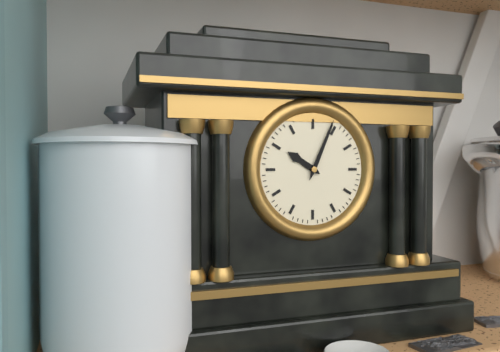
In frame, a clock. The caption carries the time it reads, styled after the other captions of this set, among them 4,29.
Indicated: 10,04
